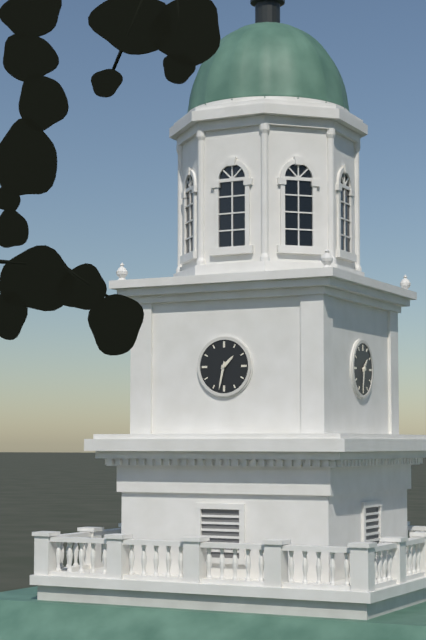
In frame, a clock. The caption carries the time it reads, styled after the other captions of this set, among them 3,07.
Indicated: 1,32
